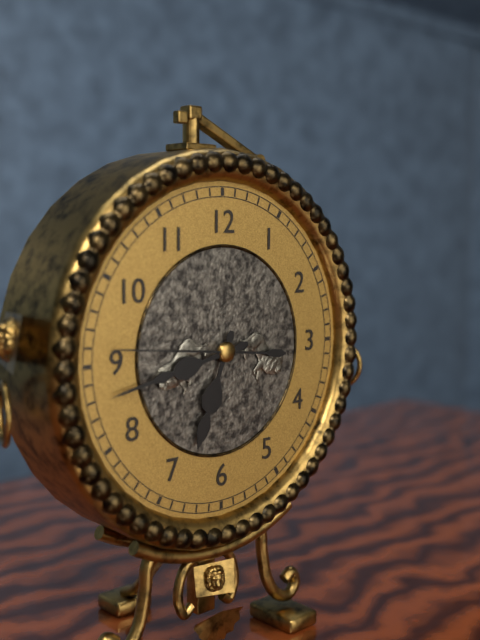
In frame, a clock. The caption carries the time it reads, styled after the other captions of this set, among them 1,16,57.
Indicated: 6,43,46
